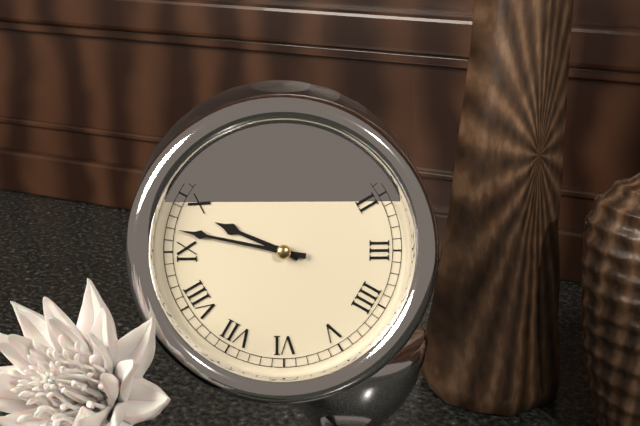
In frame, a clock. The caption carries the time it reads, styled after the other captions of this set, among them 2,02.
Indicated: 9,47
